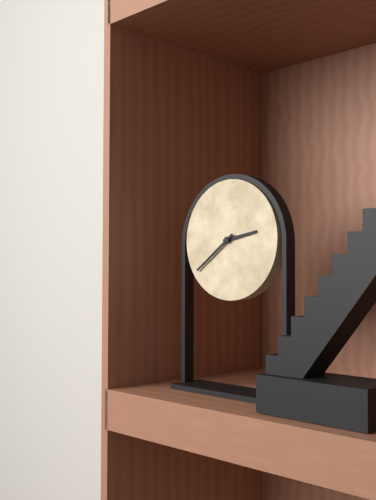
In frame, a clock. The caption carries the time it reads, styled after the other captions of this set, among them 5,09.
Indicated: 2,39
